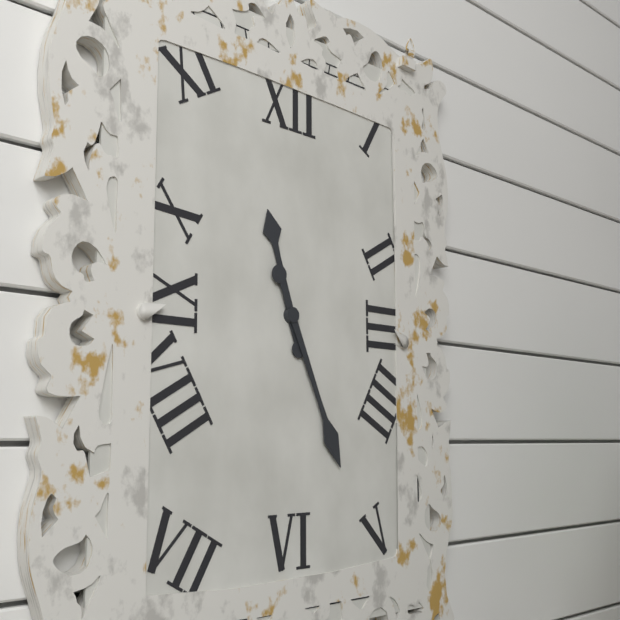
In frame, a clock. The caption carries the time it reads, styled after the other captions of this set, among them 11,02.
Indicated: 11,26
